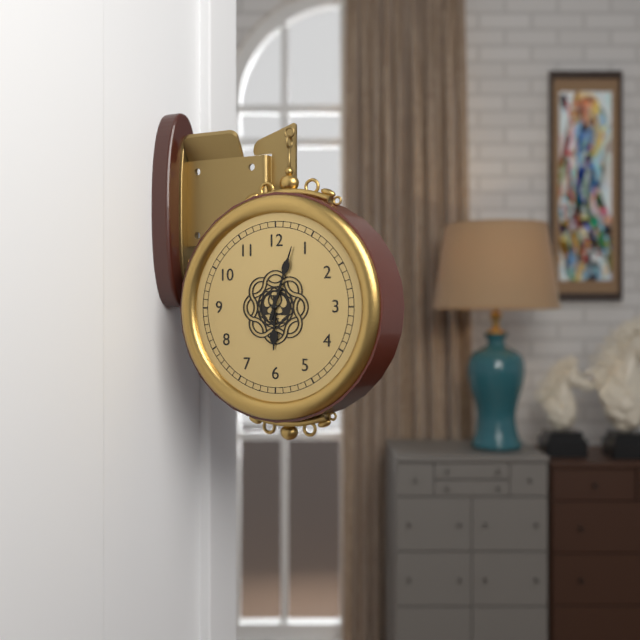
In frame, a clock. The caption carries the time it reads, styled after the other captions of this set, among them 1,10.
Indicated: 6,03
